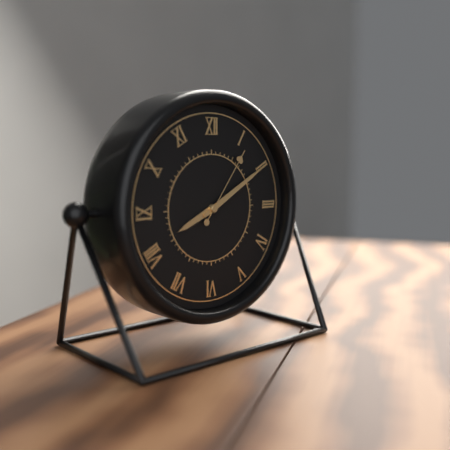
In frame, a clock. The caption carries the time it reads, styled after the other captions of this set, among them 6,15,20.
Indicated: 8,10,06
